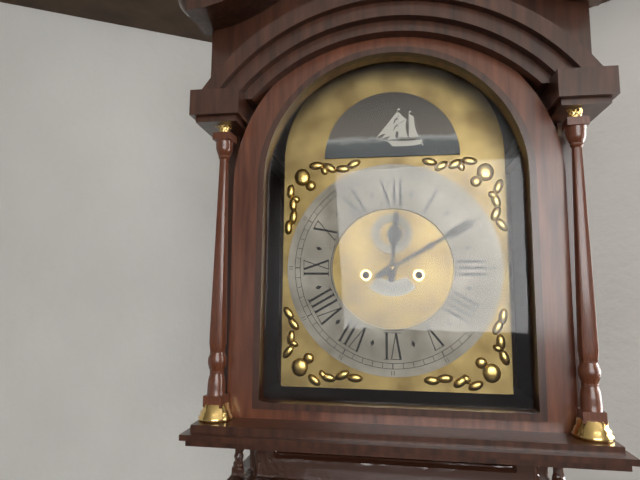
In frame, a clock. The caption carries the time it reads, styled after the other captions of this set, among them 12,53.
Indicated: 12,10
